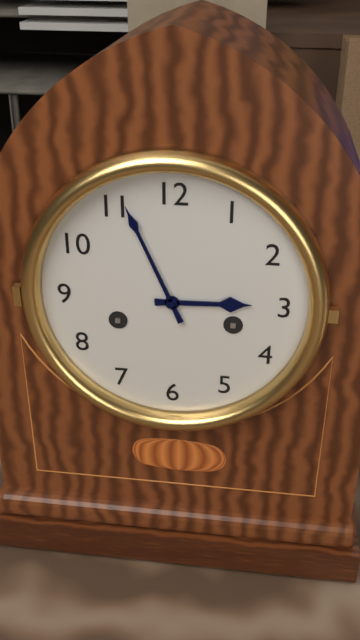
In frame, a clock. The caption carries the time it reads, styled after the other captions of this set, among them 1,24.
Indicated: 2,56
